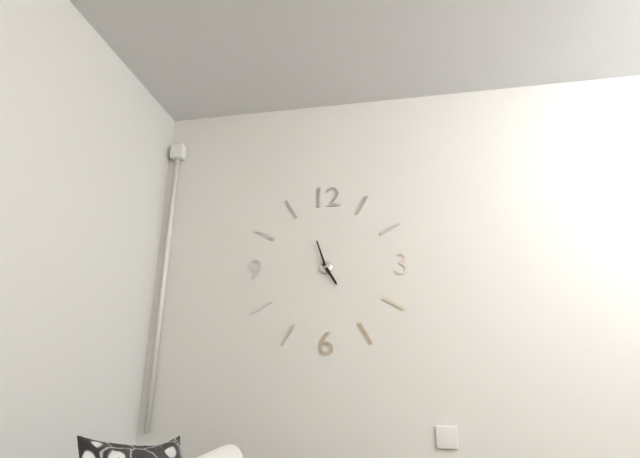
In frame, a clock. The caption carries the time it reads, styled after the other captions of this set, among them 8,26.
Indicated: 4,57
